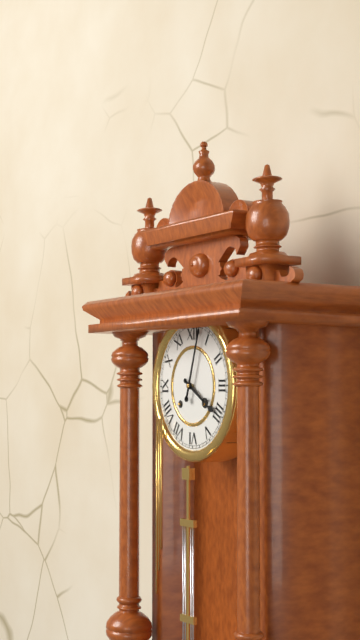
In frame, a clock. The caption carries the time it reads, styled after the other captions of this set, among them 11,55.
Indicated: 4,03
